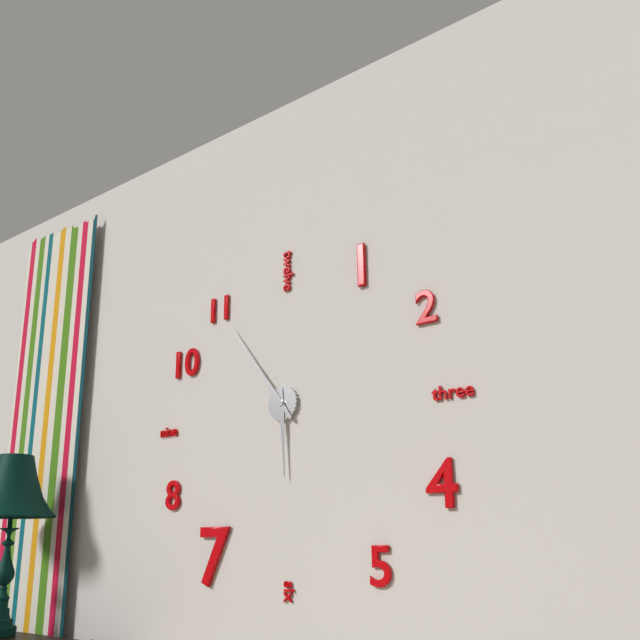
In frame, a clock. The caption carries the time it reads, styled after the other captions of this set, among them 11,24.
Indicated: 5,54
